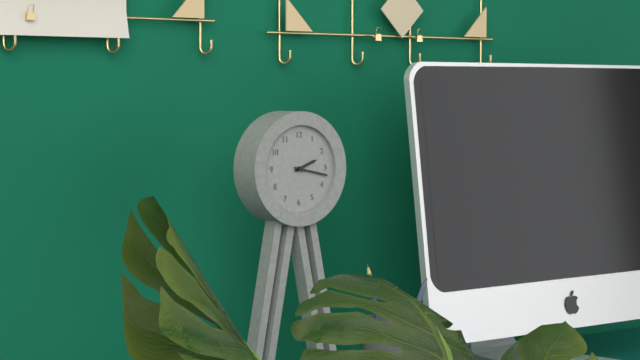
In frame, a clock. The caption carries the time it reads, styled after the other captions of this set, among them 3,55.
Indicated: 2,17
